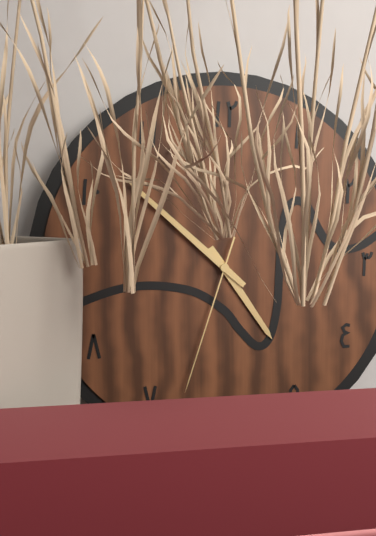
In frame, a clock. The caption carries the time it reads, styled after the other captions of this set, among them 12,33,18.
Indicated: 4,52,33
